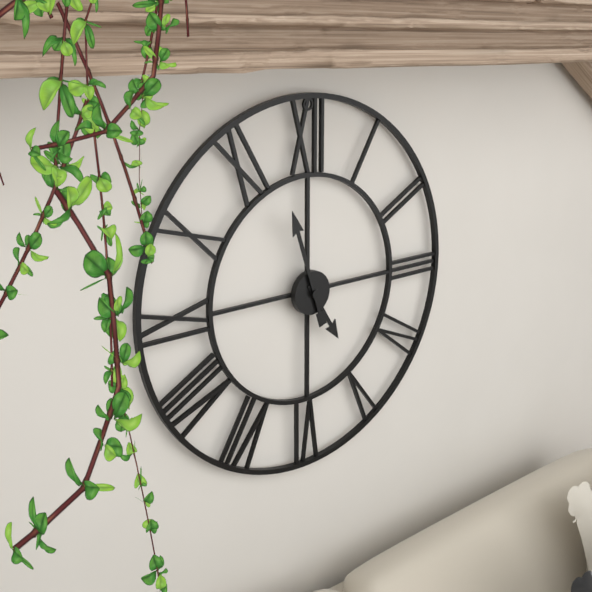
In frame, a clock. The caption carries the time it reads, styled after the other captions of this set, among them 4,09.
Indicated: 4,57
